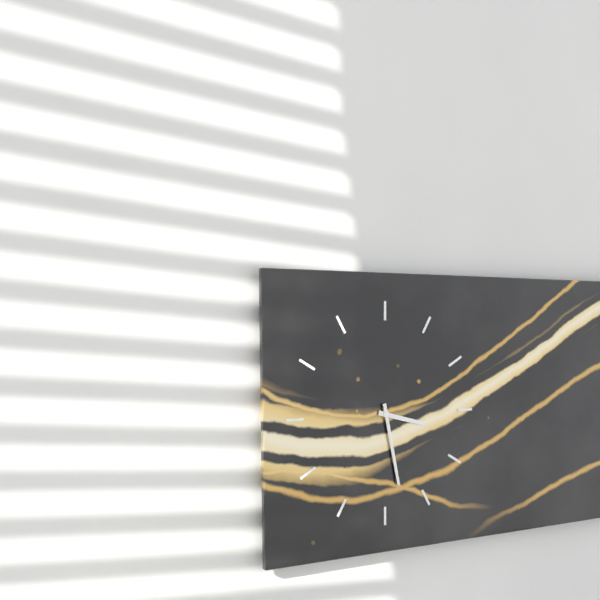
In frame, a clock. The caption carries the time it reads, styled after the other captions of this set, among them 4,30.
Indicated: 3,28
